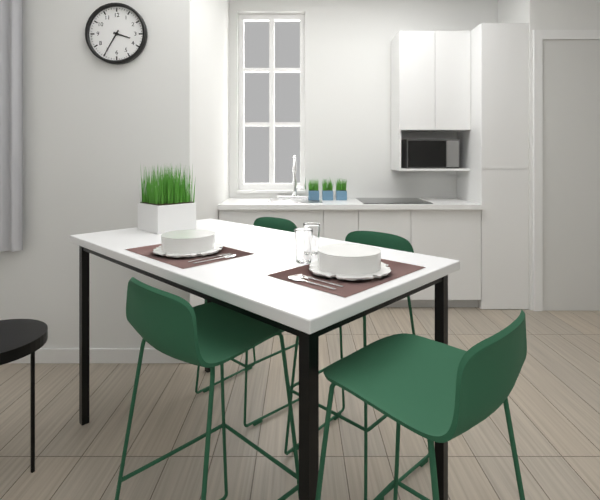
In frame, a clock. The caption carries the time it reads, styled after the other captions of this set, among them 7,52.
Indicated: 3,35
